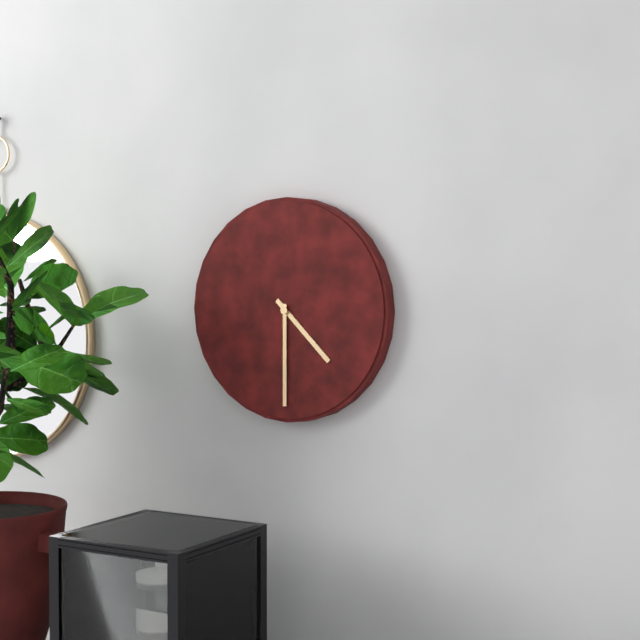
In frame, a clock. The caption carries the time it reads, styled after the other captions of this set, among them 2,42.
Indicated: 4,30
